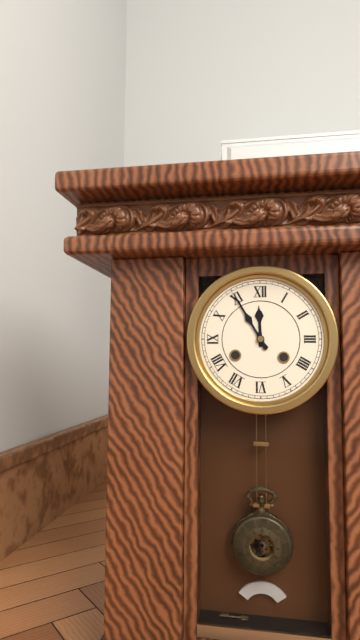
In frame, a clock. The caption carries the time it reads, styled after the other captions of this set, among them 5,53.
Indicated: 11,55
